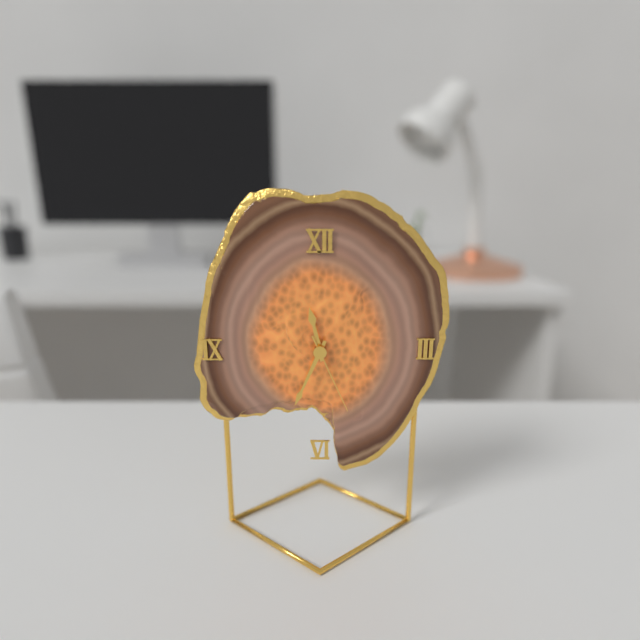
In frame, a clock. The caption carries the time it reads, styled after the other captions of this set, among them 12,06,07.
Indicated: 11,34,26
